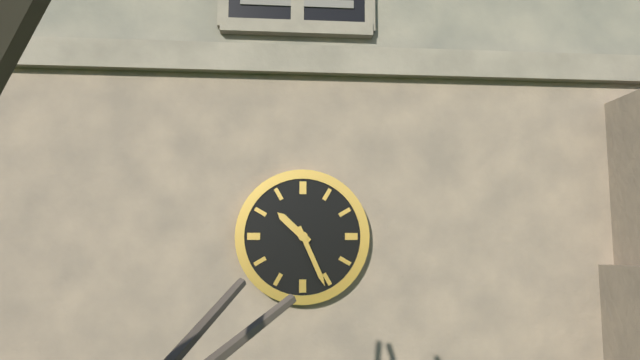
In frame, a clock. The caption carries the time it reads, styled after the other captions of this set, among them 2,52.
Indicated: 10,26
